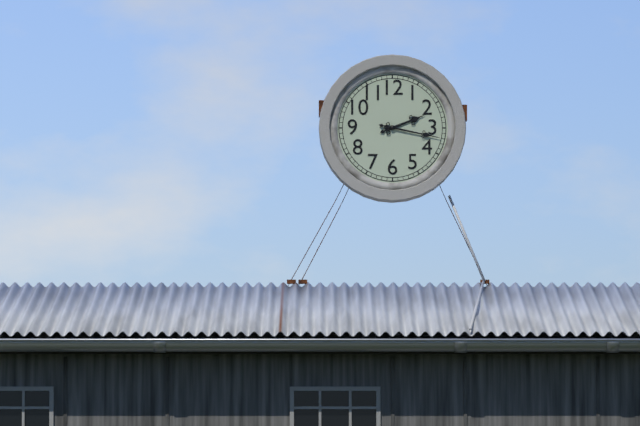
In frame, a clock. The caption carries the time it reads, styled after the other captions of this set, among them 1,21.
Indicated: 2,17
